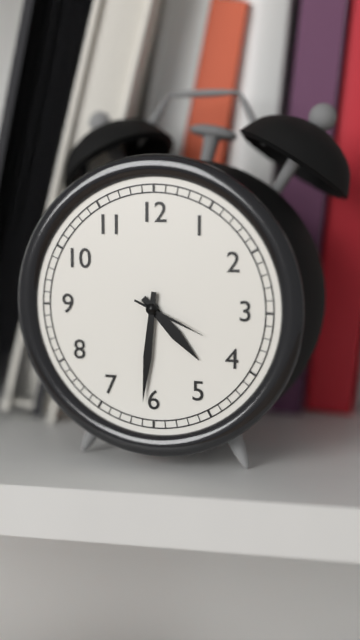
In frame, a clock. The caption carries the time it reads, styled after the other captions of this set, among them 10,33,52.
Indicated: 4,31,19
